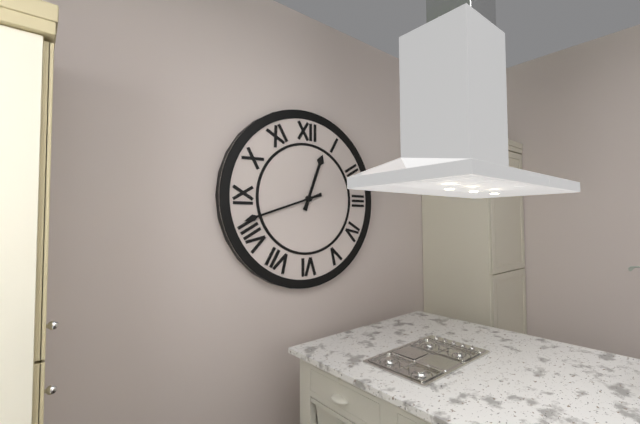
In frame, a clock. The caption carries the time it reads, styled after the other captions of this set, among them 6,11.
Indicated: 12,42
